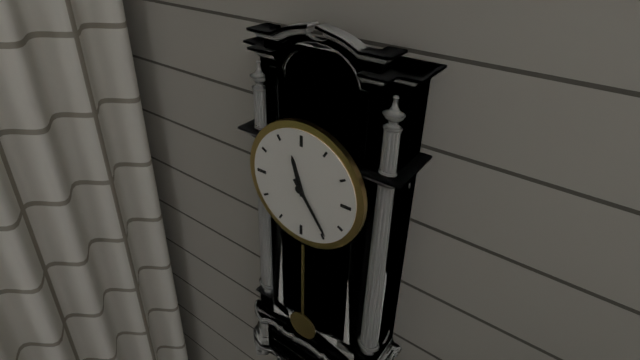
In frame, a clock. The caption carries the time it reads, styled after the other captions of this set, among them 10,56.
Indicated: 11,24
